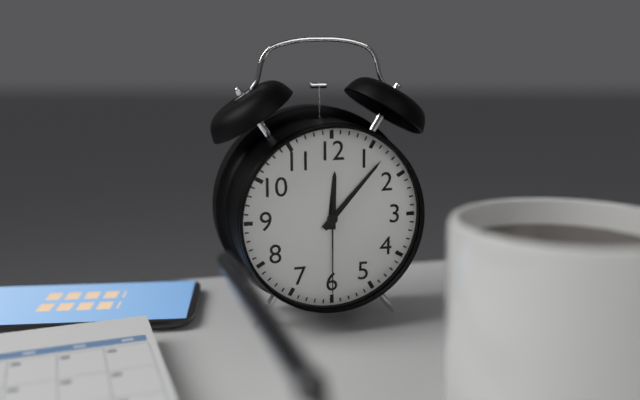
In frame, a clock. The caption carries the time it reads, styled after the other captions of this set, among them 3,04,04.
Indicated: 12,07,30
